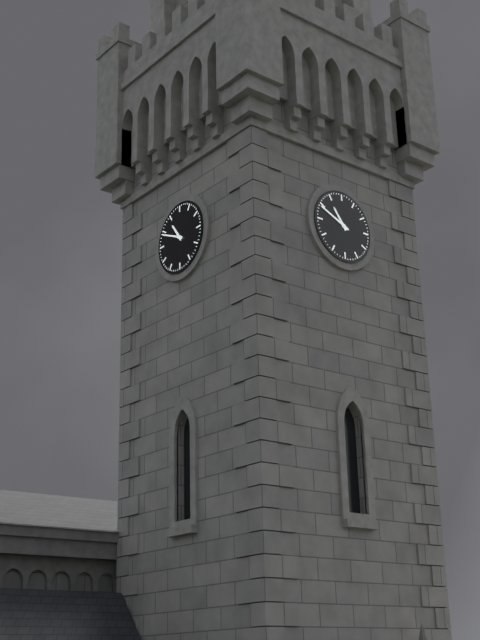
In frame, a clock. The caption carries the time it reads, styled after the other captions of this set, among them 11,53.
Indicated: 10,49
